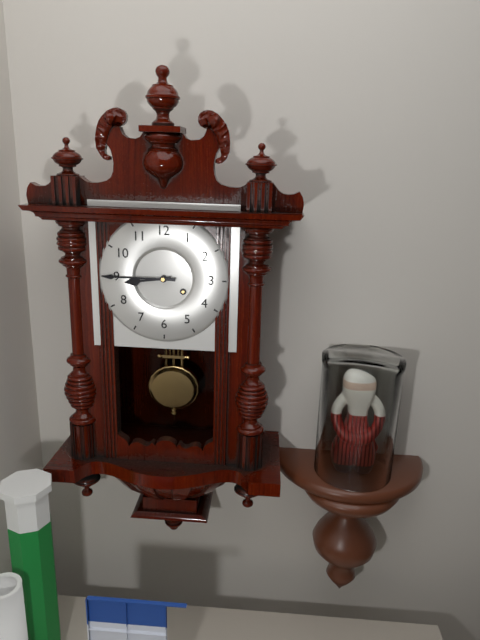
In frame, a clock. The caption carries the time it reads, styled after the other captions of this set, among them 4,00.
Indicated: 8,45
